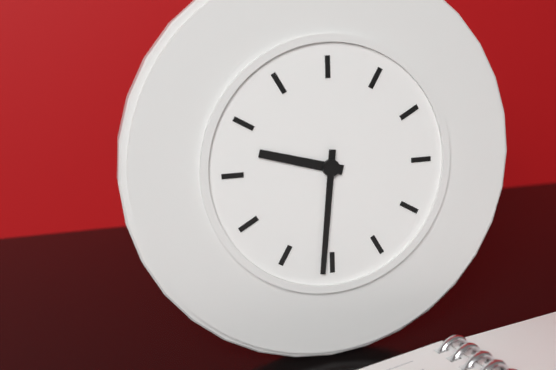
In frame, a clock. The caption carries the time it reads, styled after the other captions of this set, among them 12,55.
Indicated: 9,31
